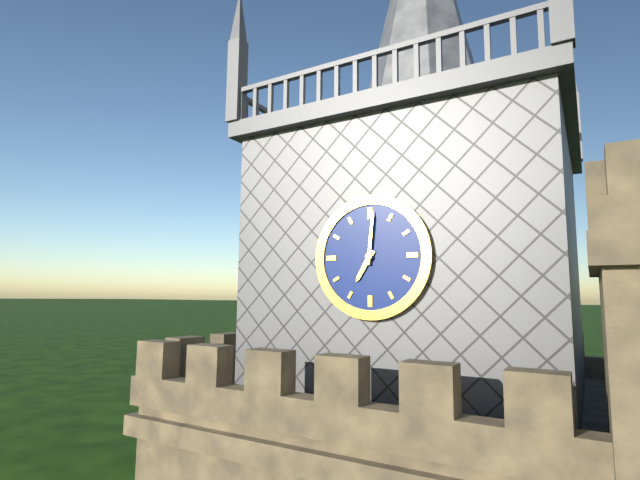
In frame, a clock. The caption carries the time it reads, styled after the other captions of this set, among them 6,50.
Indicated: 7,01
